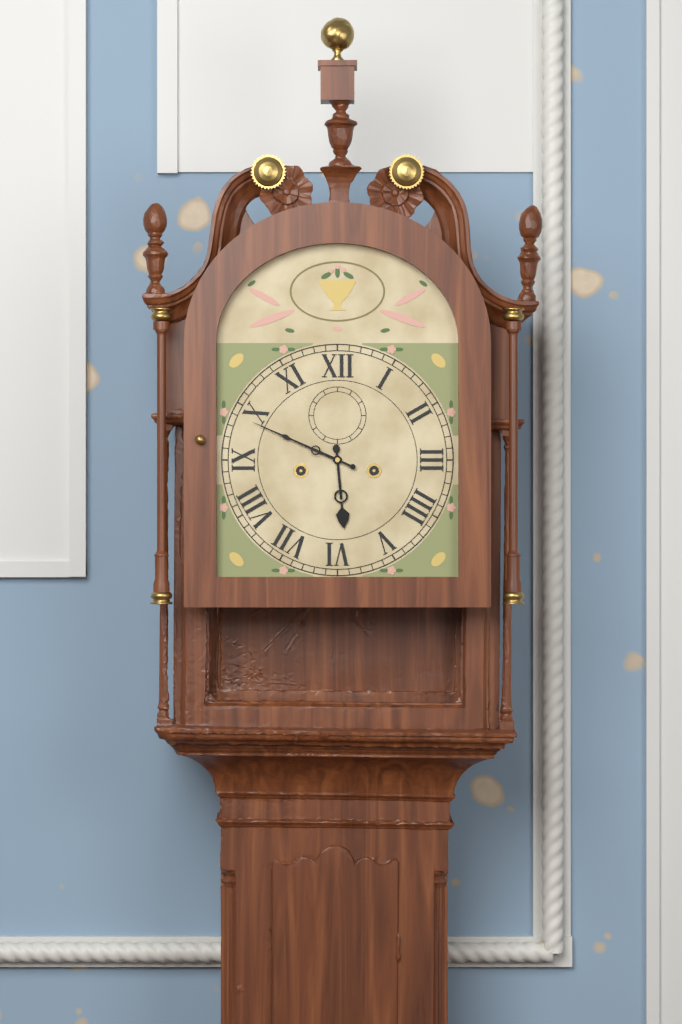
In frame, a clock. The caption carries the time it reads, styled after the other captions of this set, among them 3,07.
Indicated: 5,49
